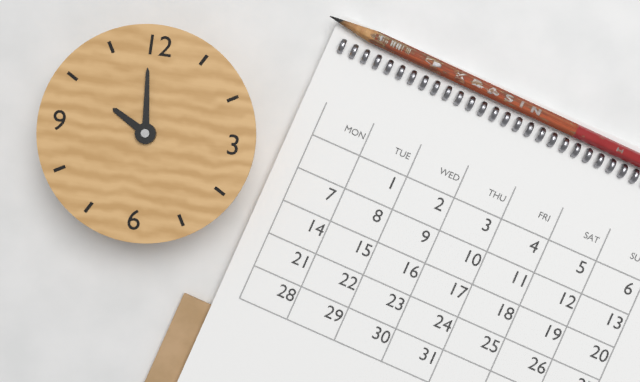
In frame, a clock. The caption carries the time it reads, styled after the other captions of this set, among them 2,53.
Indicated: 9,59
